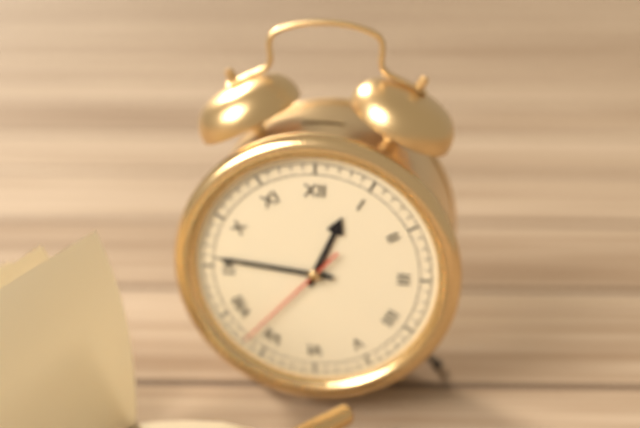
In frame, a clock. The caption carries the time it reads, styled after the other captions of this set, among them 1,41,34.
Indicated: 12,46,37
